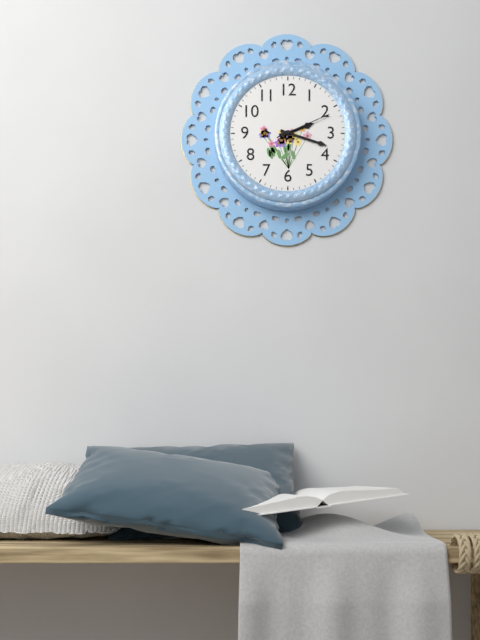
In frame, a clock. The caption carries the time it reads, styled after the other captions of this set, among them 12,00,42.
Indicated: 2,18,11
